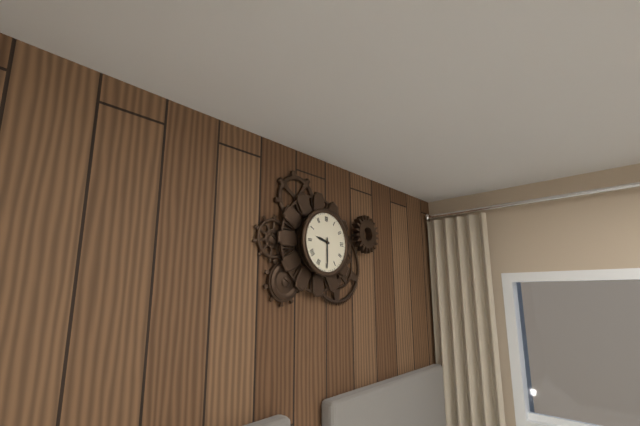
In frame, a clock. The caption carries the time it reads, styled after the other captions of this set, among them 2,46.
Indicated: 9,30
